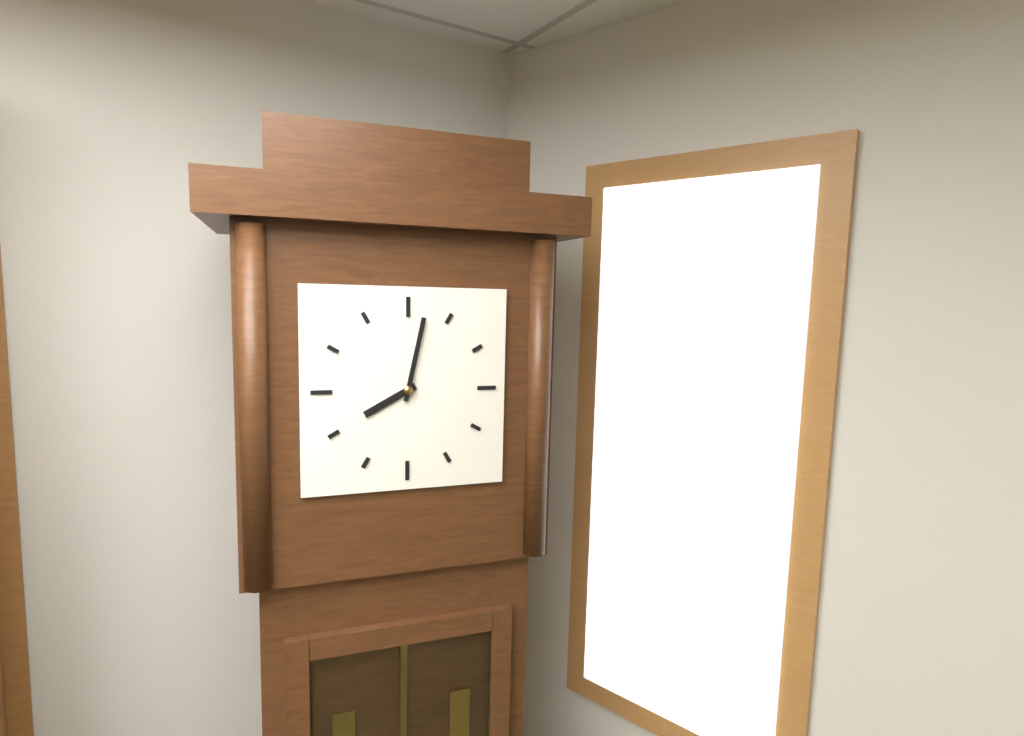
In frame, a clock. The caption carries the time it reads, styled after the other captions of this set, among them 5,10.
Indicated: 8,02
